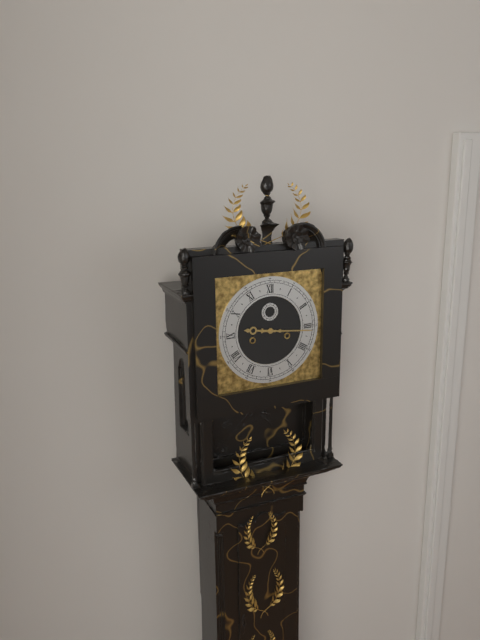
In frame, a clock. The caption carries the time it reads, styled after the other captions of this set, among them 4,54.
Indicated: 9,16
